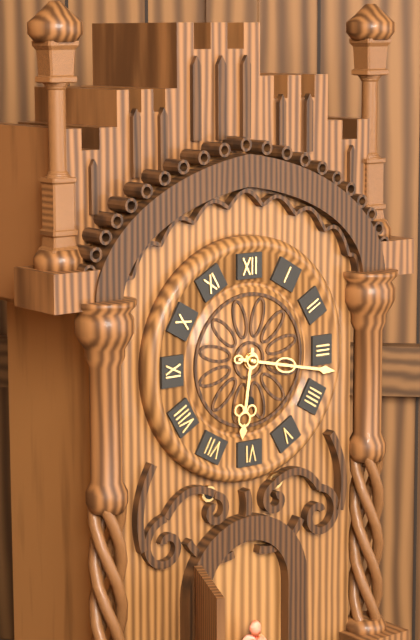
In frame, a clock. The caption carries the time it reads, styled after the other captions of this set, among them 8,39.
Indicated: 6,17
